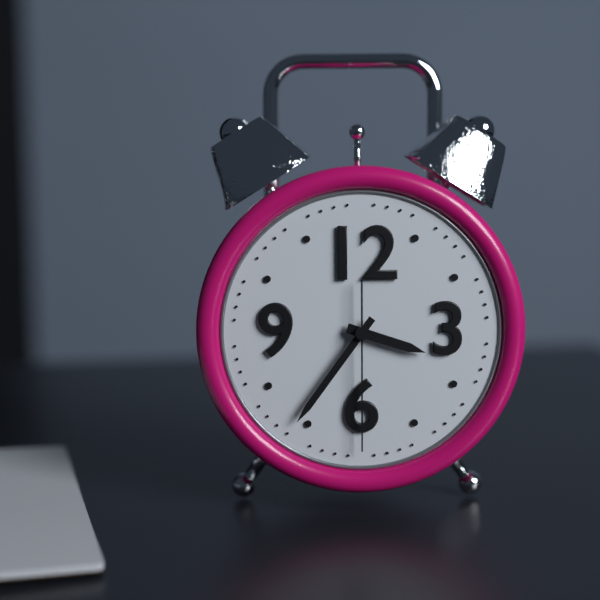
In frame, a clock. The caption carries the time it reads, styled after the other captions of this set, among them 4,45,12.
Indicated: 3,36,30
